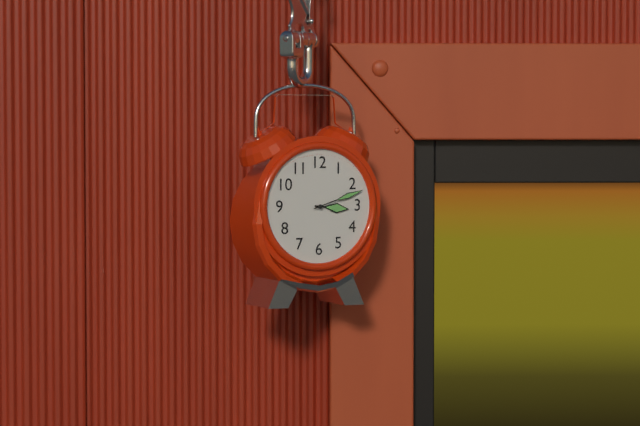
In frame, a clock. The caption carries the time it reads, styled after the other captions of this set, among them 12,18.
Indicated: 3,12
